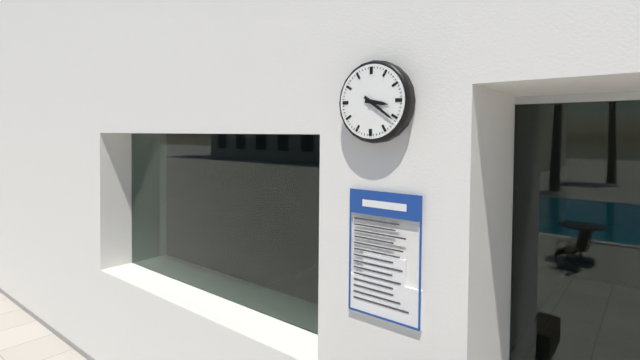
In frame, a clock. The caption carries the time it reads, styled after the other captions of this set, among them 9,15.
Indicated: 3,21
